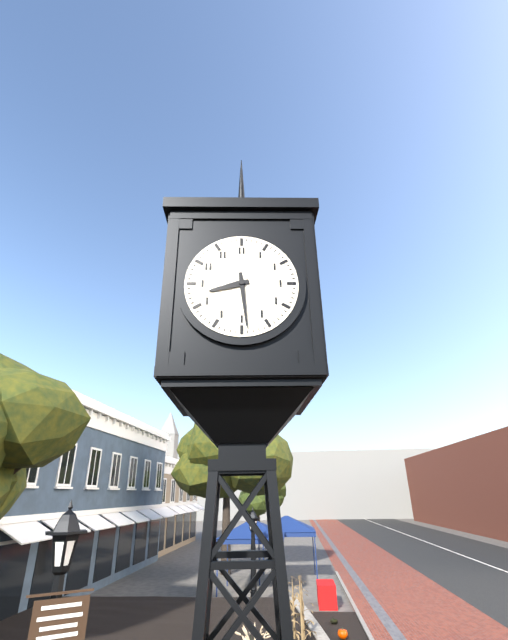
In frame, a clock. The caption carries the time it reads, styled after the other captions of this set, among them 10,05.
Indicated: 8,29
